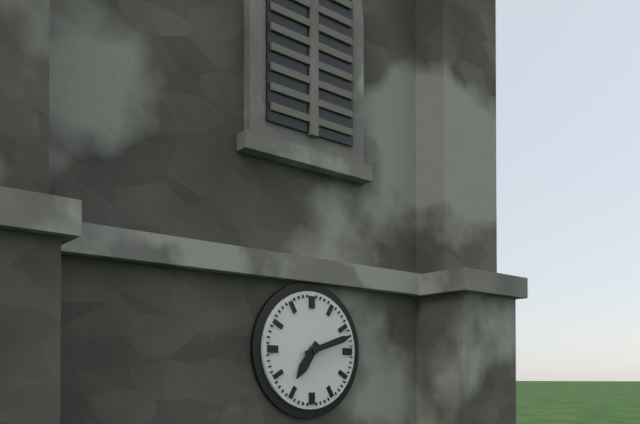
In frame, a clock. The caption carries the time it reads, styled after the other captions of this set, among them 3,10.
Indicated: 7,12
